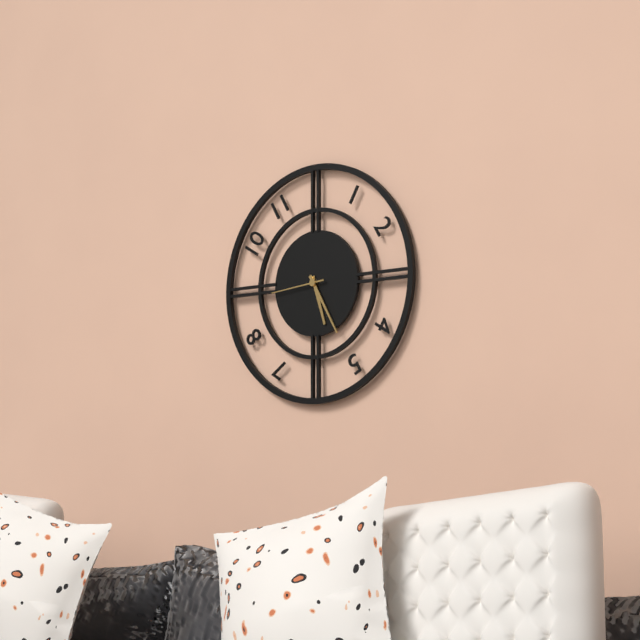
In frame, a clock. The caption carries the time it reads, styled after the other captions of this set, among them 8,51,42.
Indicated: 5,25,44
